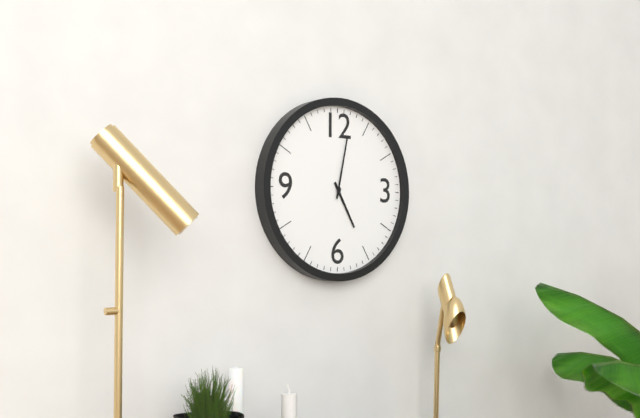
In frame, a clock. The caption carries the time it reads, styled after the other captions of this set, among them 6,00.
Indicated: 5,02
